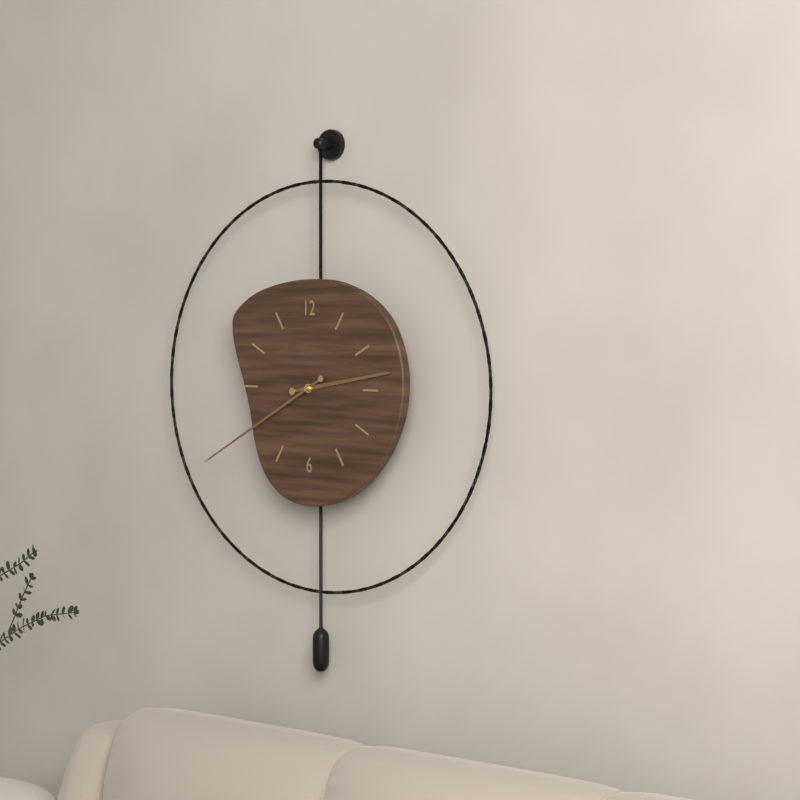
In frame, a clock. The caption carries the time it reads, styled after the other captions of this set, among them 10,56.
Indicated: 2,40
